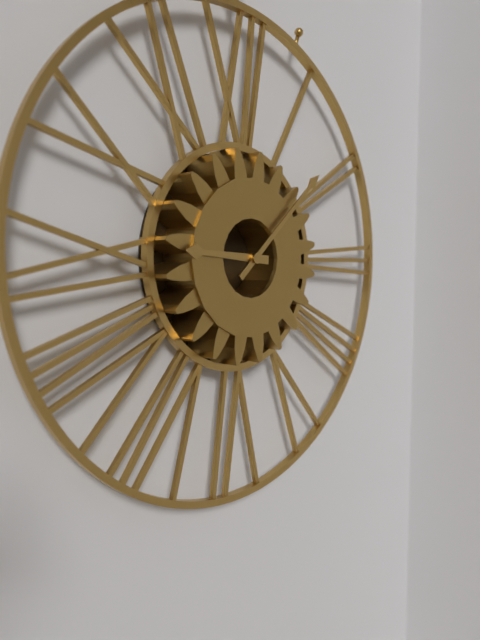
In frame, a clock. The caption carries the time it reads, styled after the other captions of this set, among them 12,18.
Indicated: 9,08
